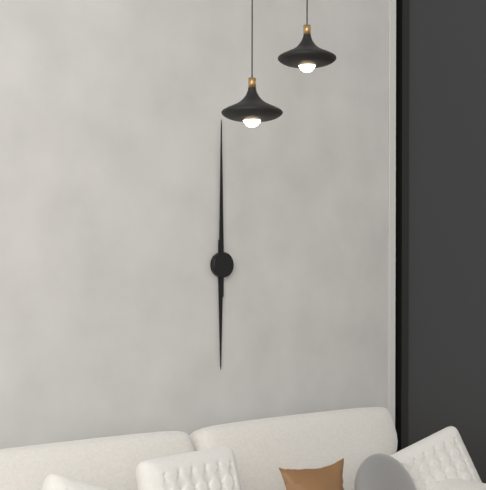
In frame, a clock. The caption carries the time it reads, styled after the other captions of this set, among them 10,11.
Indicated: 6,00
